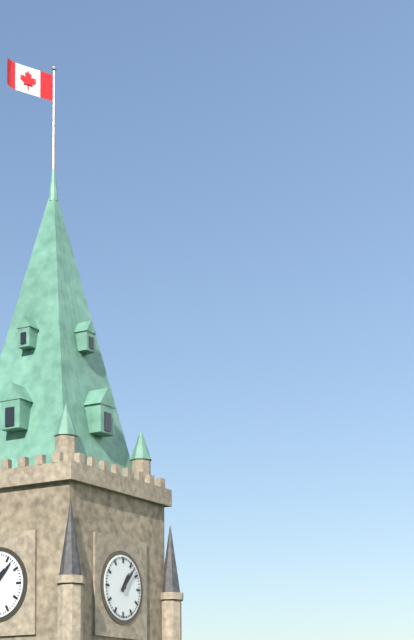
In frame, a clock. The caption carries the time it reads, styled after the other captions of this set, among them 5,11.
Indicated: 1,07
